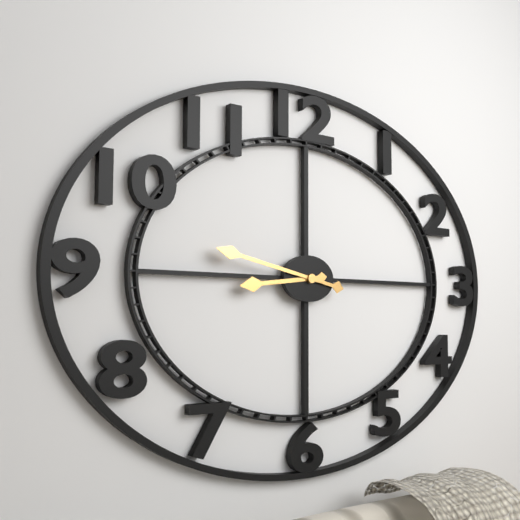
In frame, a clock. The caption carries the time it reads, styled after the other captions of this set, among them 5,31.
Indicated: 8,47
